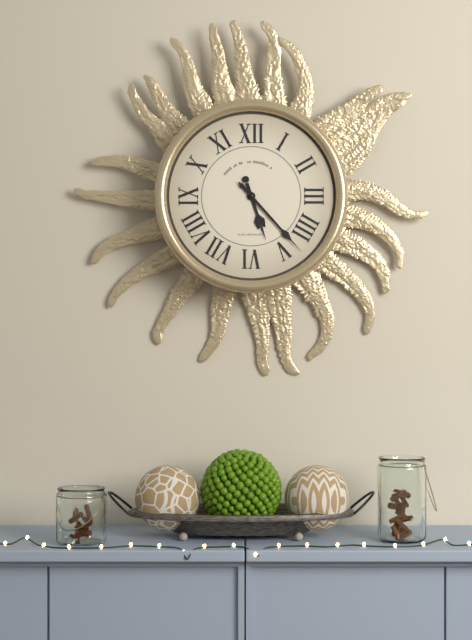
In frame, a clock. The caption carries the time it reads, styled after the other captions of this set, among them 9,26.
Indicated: 5,23
